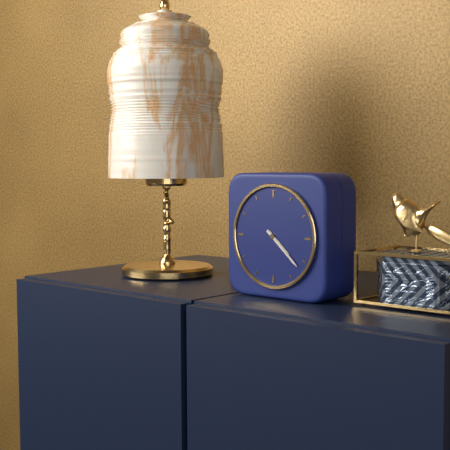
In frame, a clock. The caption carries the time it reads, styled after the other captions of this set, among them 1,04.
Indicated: 4,22
